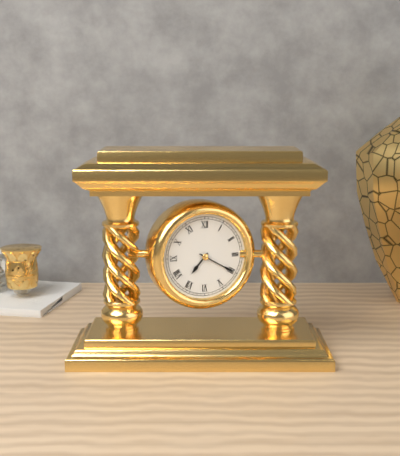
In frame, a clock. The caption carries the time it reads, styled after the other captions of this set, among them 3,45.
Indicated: 7,20
